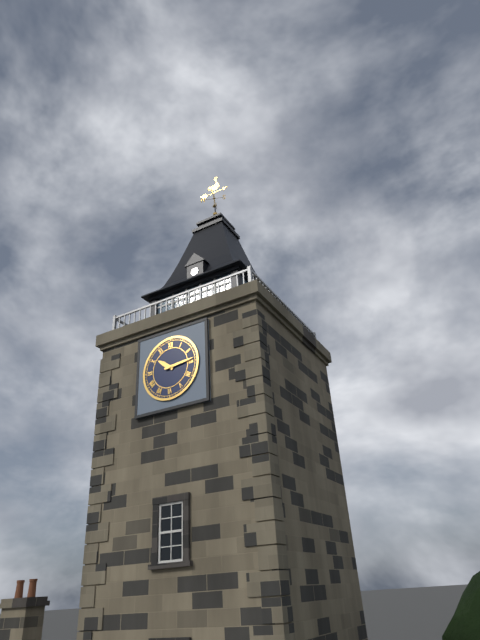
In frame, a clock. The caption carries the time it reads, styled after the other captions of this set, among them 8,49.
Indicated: 10,14
